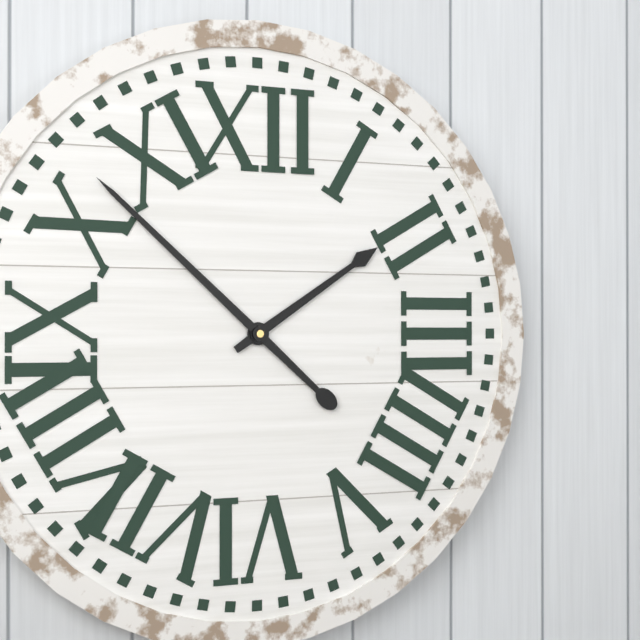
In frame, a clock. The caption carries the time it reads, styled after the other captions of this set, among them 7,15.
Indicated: 1,52
